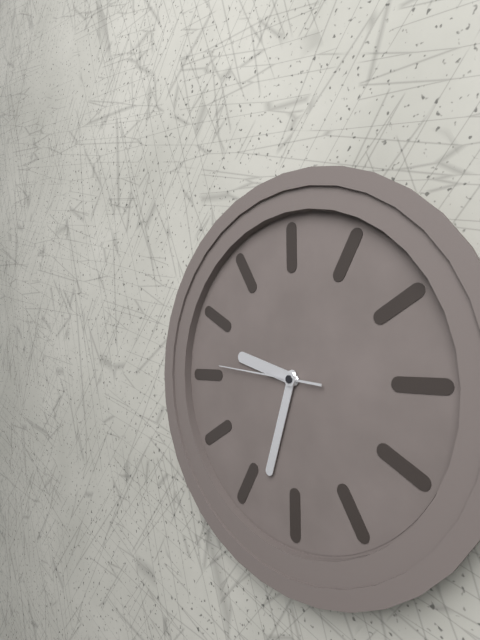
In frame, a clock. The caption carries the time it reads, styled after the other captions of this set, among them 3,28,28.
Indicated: 9,33,46
